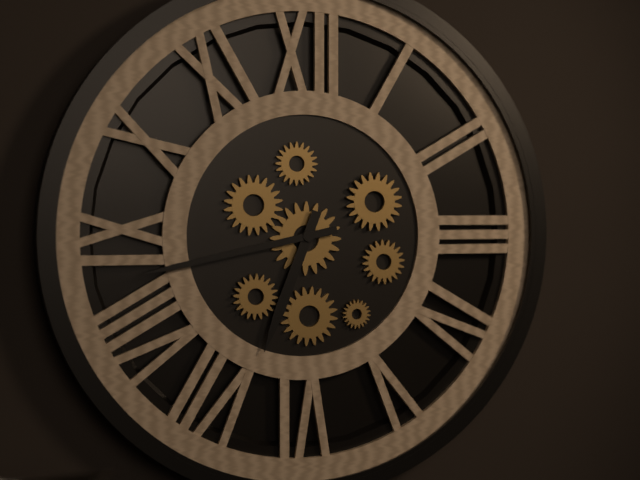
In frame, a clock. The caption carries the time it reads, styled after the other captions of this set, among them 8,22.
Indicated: 6,43
